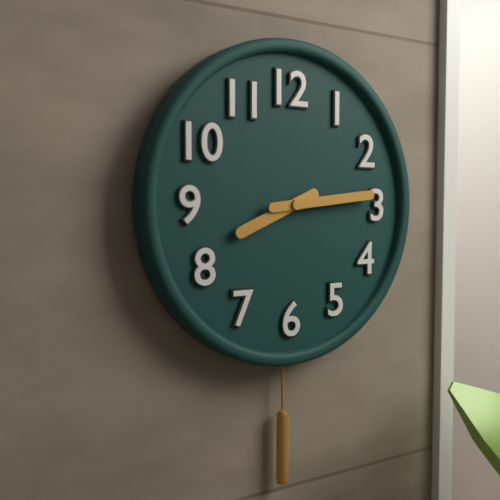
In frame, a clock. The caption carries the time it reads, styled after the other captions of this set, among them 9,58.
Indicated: 8,14
